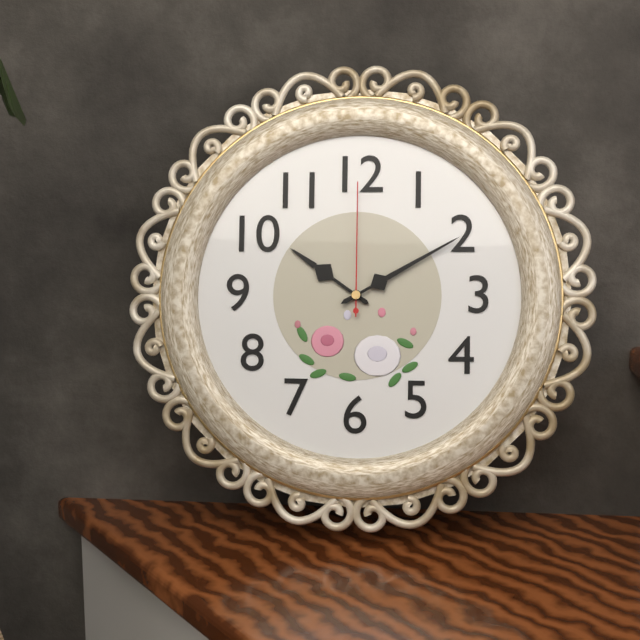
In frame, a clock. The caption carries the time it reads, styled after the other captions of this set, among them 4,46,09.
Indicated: 10,10,00
